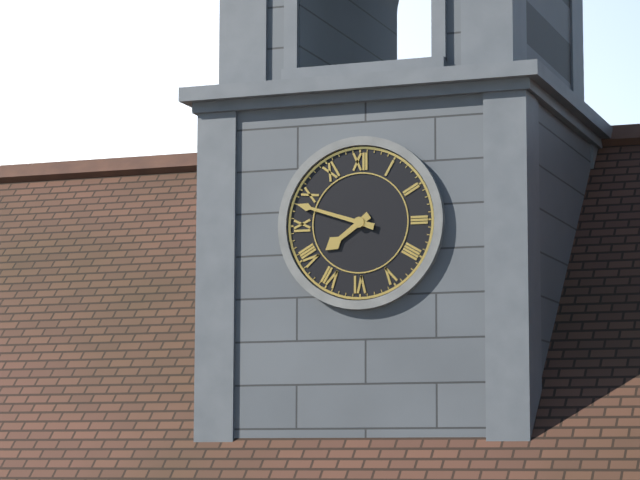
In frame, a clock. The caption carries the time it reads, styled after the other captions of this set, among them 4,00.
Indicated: 7,48
